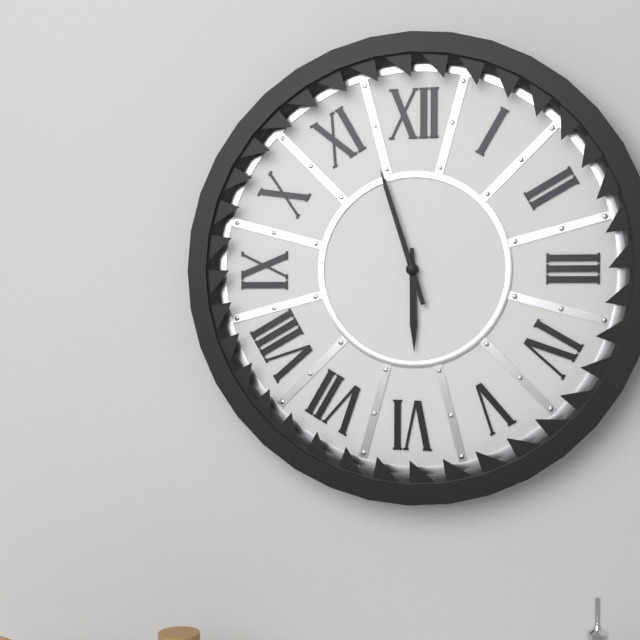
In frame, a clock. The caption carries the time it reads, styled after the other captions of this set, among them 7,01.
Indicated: 5,57
